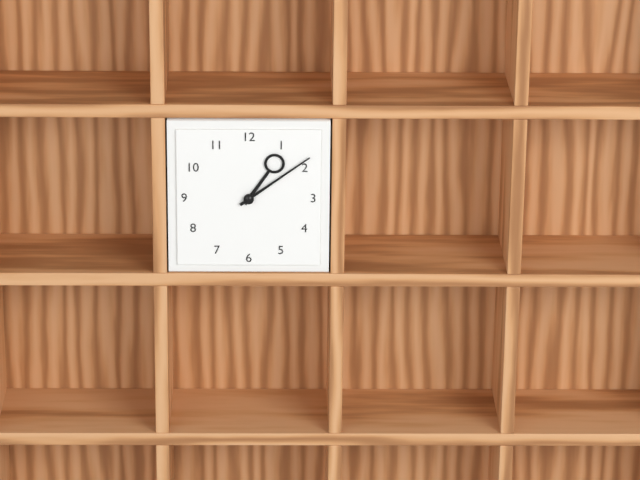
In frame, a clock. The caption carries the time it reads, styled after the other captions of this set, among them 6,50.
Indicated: 1,09
